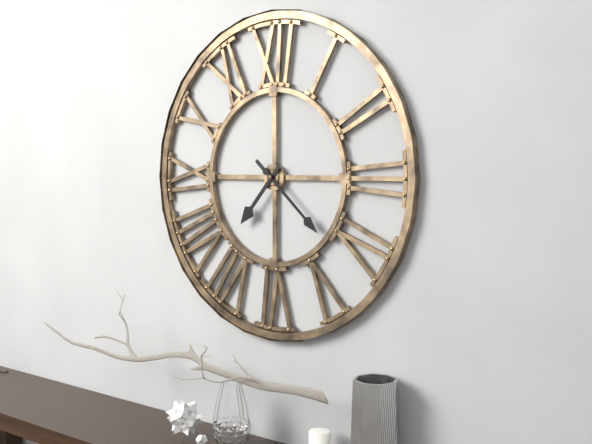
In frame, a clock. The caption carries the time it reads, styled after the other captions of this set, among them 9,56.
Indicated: 7,22
